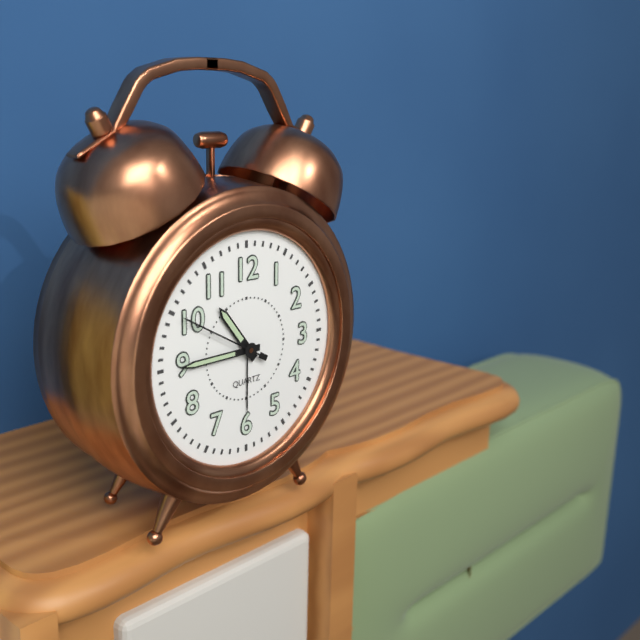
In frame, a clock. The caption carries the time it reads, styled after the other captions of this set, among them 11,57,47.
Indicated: 10,45,50
